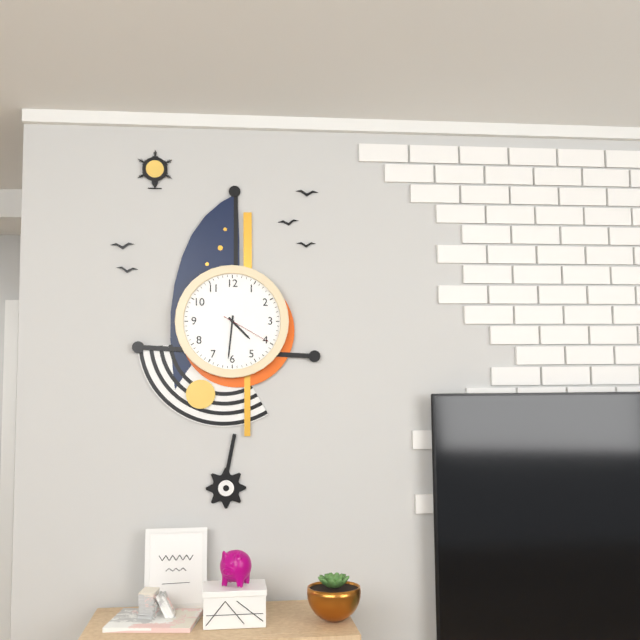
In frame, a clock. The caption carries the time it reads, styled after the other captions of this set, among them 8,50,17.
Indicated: 4,31,20
